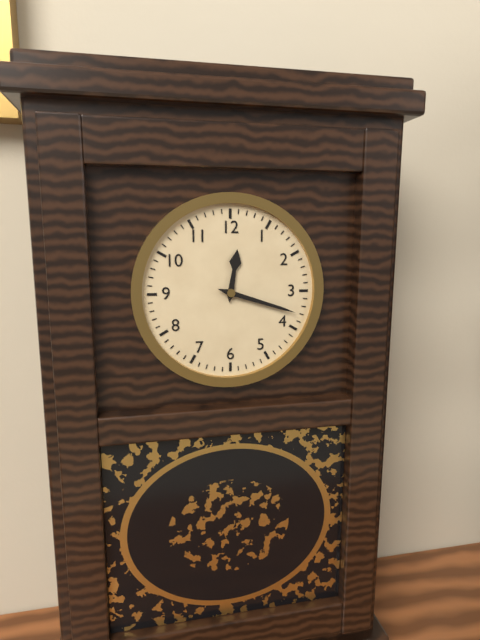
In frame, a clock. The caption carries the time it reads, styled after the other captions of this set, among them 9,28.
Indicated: 12,18
